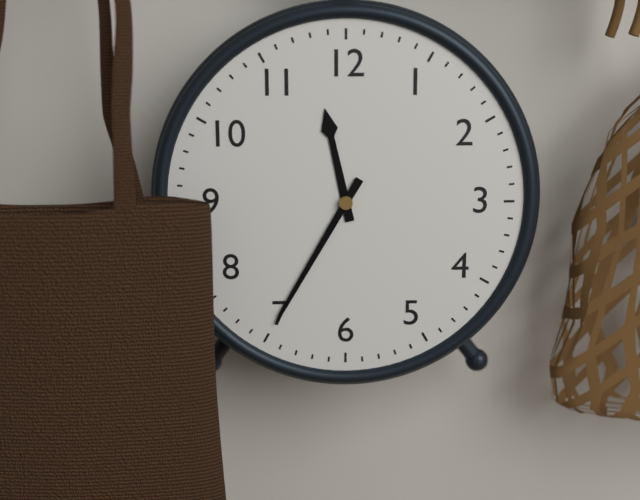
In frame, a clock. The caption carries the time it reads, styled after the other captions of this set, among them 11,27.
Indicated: 11,35
